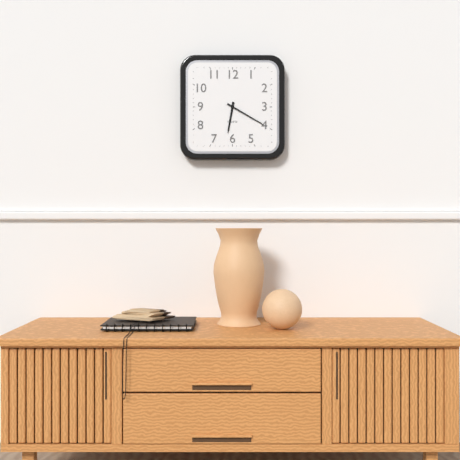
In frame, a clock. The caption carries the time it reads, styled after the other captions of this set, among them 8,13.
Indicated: 6,20
